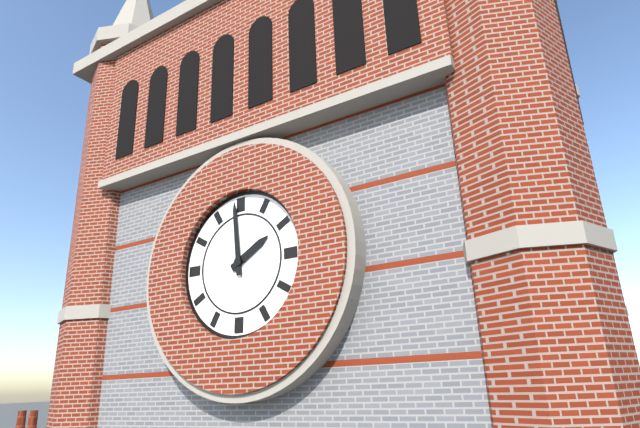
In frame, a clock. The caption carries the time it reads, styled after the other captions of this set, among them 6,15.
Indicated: 1,59
